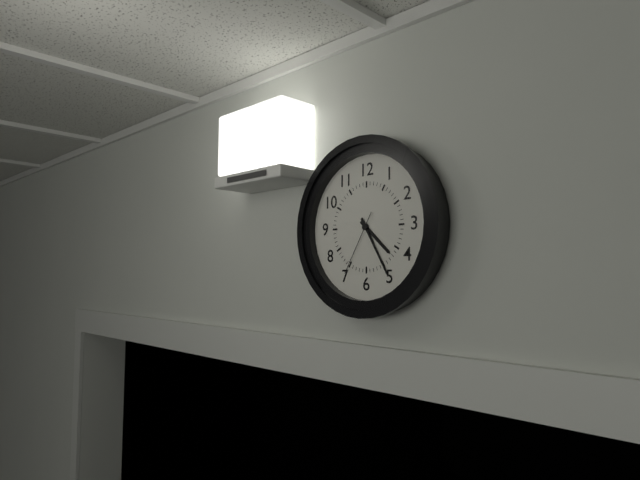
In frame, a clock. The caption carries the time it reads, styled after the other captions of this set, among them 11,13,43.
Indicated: 4,25,35
